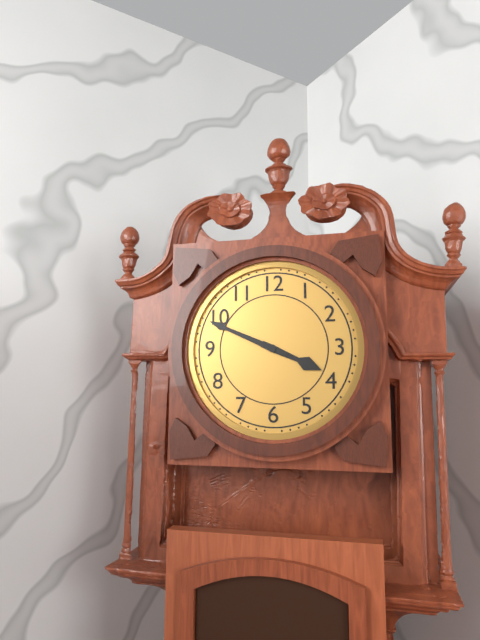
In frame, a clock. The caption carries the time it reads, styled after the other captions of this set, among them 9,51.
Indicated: 3,49
